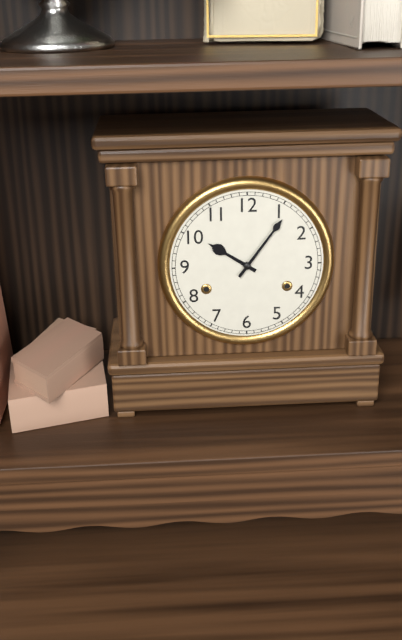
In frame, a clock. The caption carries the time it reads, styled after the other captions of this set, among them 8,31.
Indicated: 10,06
